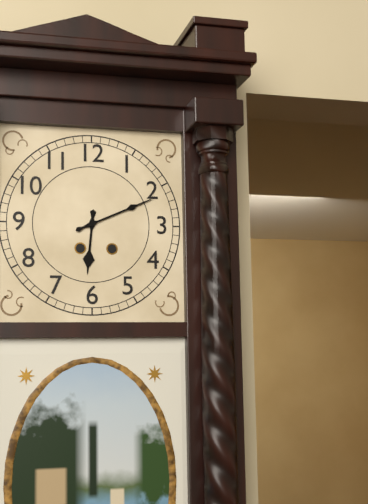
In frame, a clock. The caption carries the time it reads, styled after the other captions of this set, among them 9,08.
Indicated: 6,11
